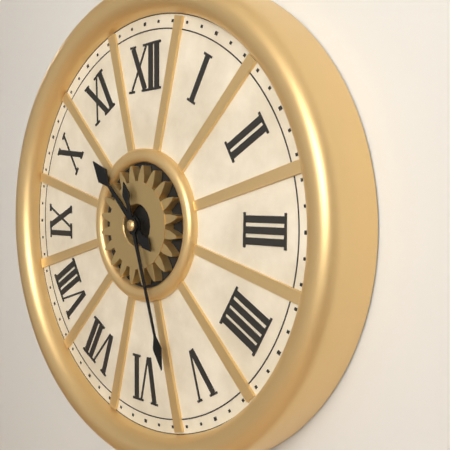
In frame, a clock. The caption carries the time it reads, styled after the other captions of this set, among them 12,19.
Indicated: 10,27
